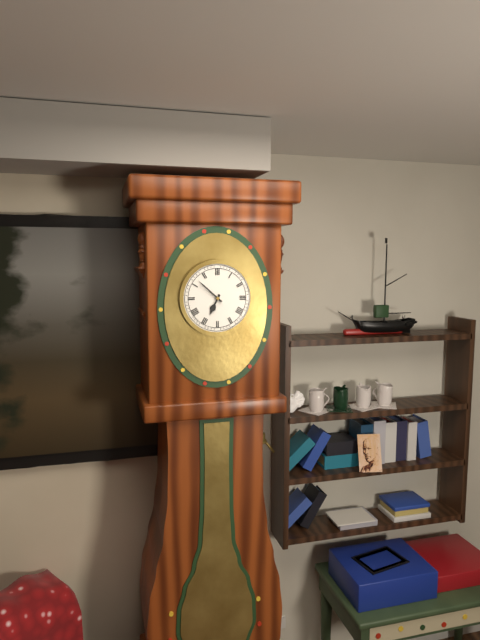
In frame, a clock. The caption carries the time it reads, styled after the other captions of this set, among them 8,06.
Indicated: 6,52
